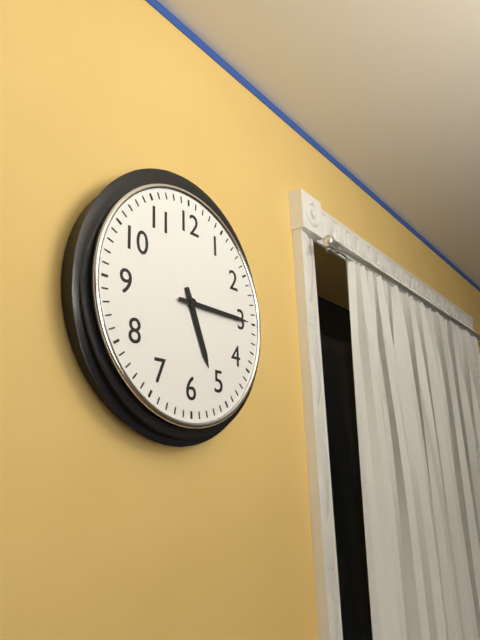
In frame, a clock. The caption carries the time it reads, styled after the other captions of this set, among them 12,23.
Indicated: 5,15
